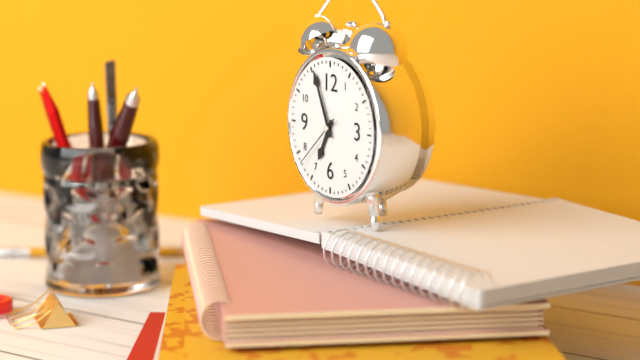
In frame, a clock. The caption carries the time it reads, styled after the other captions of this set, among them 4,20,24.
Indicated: 6,56,38
